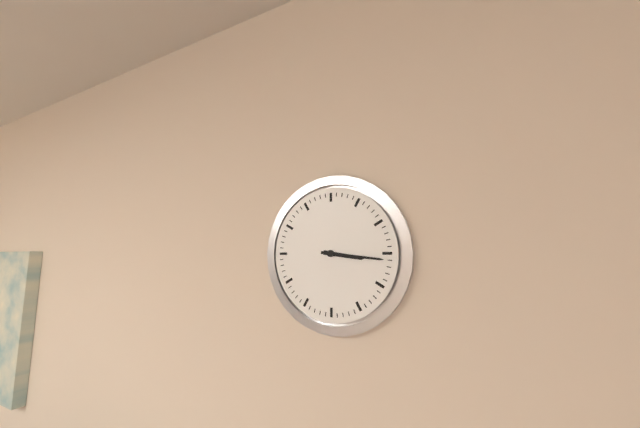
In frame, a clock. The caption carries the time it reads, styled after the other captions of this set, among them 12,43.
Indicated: 3,16
